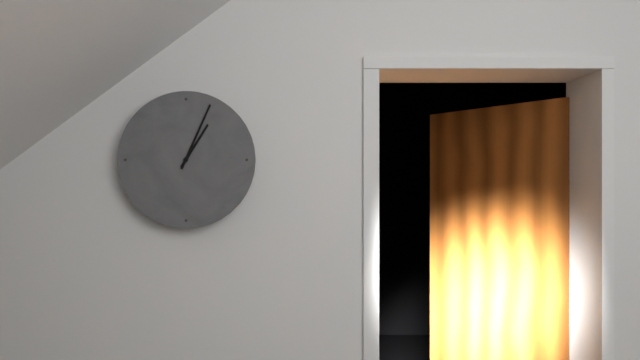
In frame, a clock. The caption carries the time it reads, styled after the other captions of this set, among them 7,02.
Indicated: 1,04
